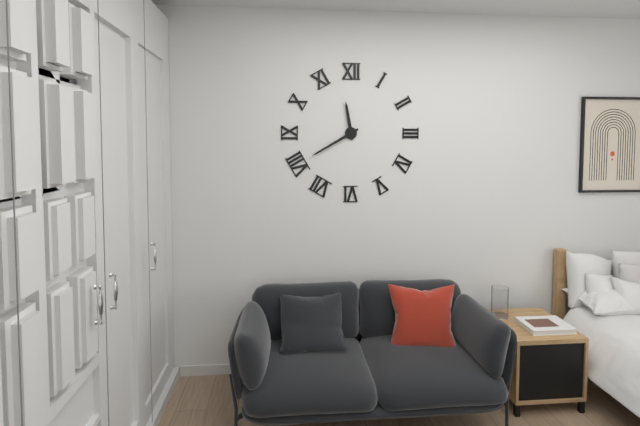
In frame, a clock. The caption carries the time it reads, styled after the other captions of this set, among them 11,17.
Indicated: 11,40
